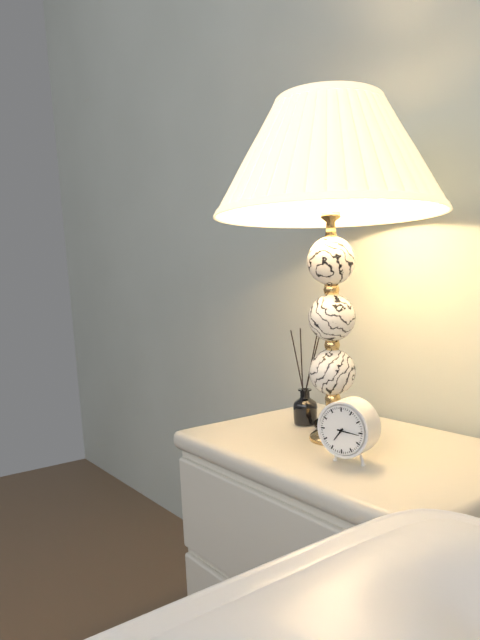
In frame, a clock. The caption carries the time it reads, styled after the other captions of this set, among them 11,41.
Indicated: 7,16
